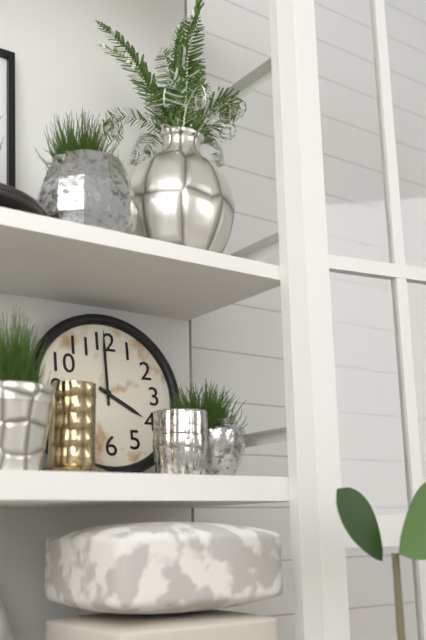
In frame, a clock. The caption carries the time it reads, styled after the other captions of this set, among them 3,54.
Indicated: 4,00
